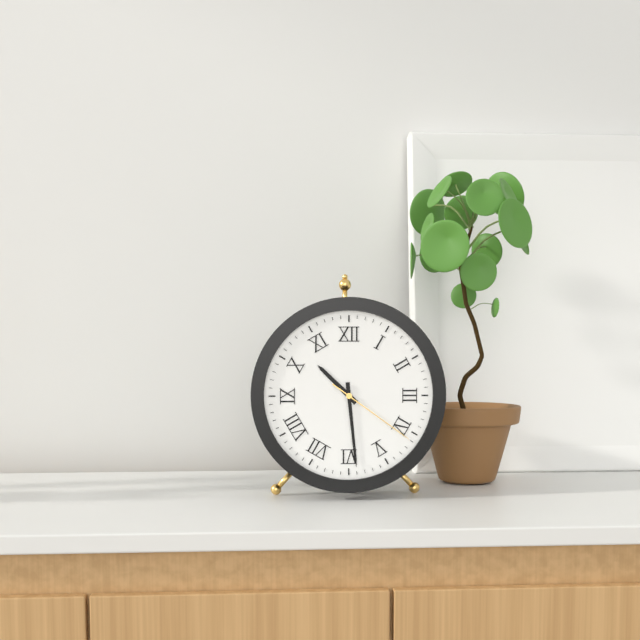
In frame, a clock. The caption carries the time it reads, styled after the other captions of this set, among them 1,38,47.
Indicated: 10,29,21
